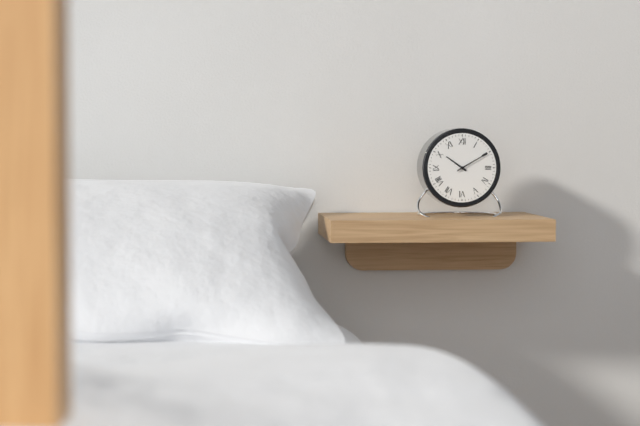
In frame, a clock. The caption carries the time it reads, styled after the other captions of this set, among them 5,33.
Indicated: 10,10
